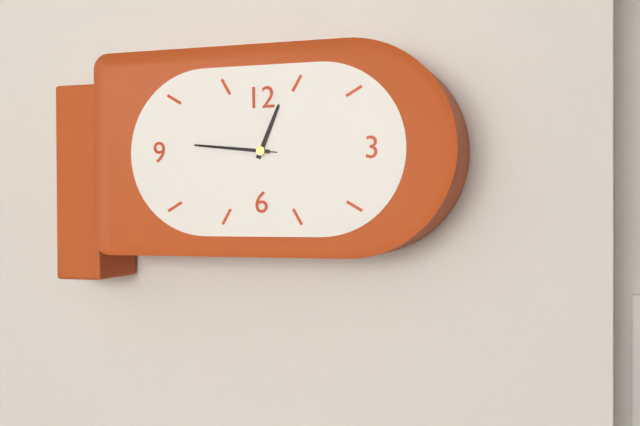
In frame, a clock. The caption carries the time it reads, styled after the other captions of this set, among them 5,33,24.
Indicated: 12,46,46
